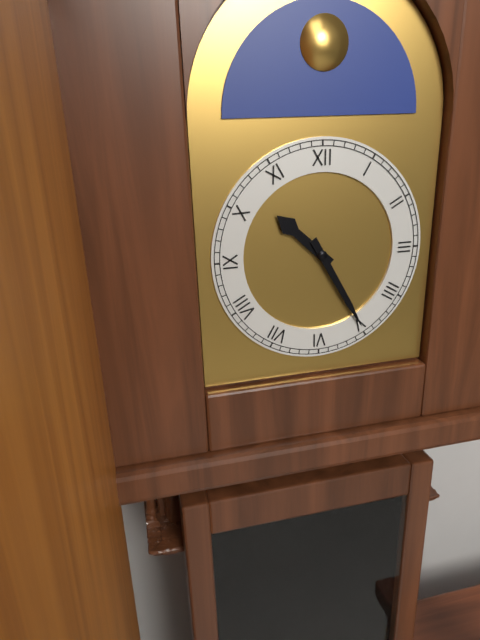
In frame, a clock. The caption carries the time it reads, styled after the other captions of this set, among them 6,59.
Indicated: 10,25
